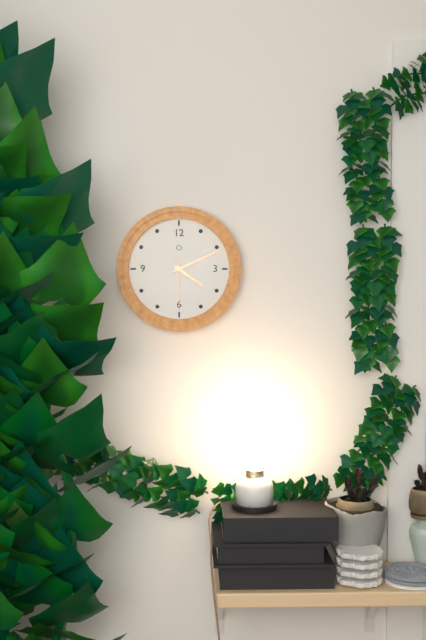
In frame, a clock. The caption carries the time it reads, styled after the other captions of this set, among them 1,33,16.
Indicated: 4,11,30
